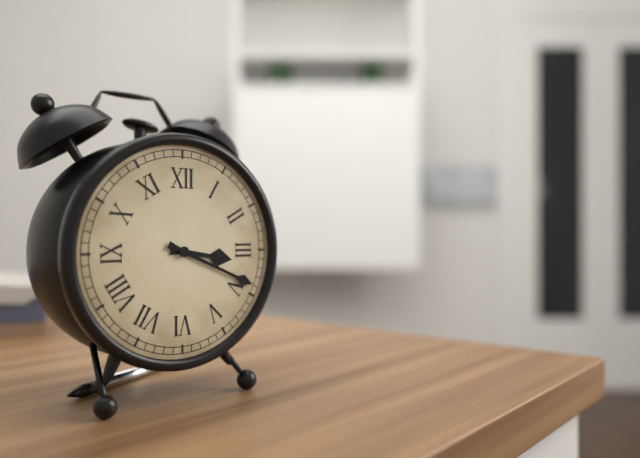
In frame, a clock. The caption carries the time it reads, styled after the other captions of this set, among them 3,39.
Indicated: 3,19
